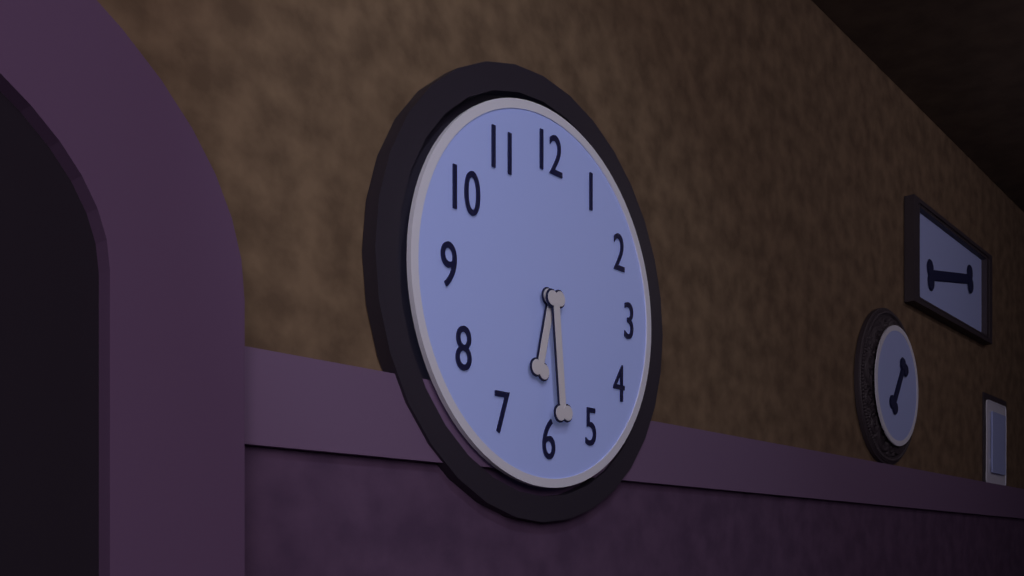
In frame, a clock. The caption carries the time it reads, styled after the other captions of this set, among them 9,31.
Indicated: 6,29
